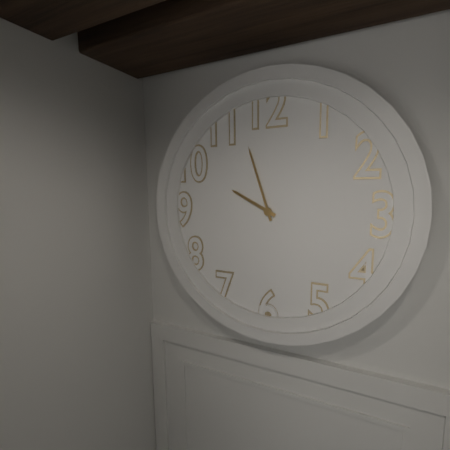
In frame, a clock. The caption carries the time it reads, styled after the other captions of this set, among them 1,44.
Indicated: 9,57
